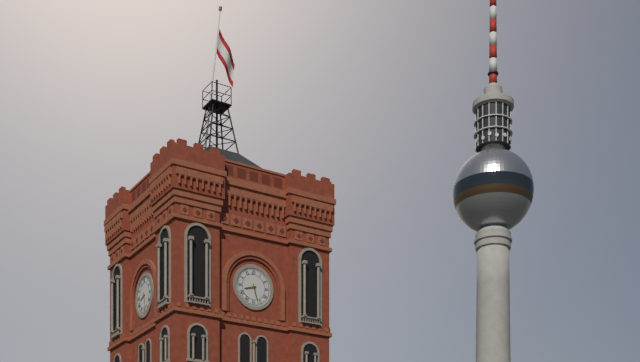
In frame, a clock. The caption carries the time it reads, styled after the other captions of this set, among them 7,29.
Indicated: 8,27
